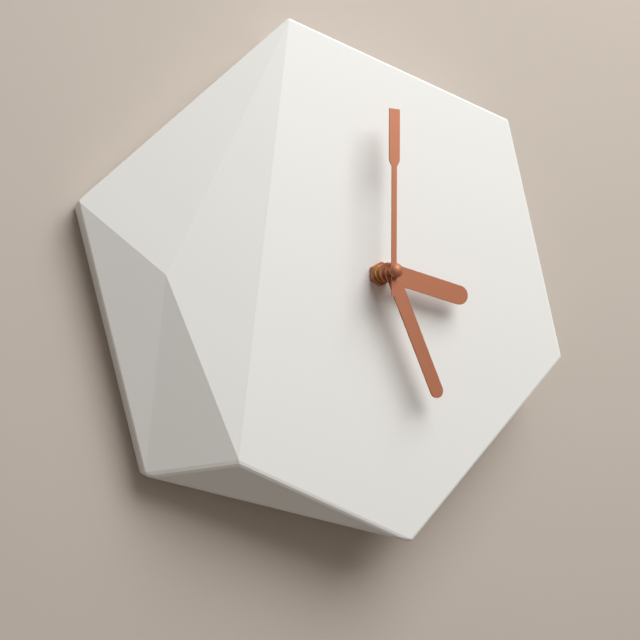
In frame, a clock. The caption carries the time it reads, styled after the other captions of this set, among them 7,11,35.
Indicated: 3,26,00
